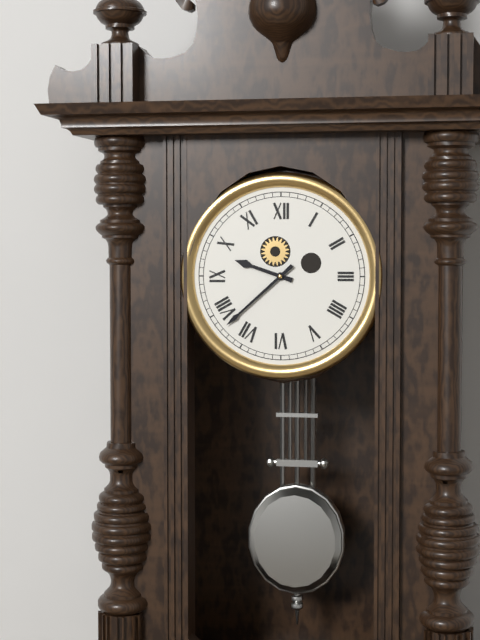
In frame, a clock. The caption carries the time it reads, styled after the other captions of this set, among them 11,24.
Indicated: 9,38
